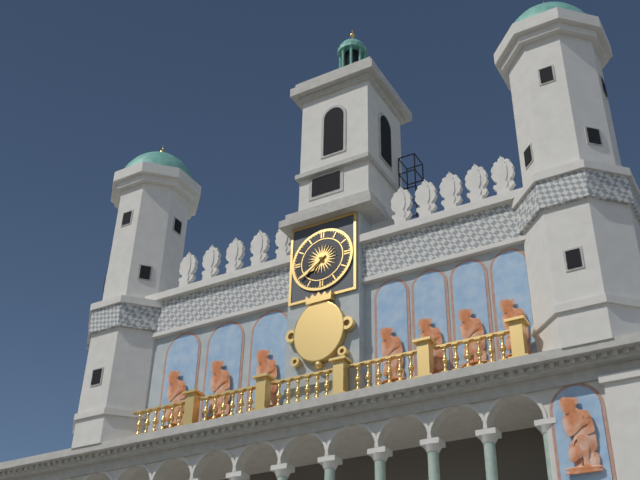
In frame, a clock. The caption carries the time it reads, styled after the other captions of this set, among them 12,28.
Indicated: 7,39
